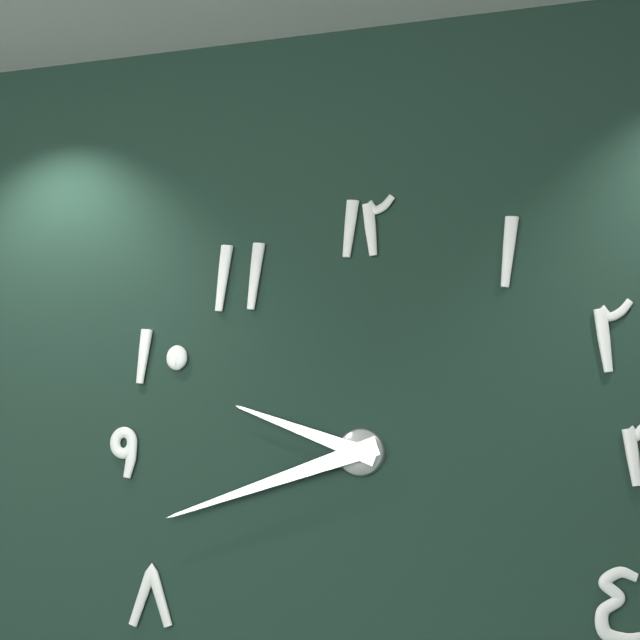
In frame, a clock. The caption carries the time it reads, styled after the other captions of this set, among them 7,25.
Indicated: 9,42
